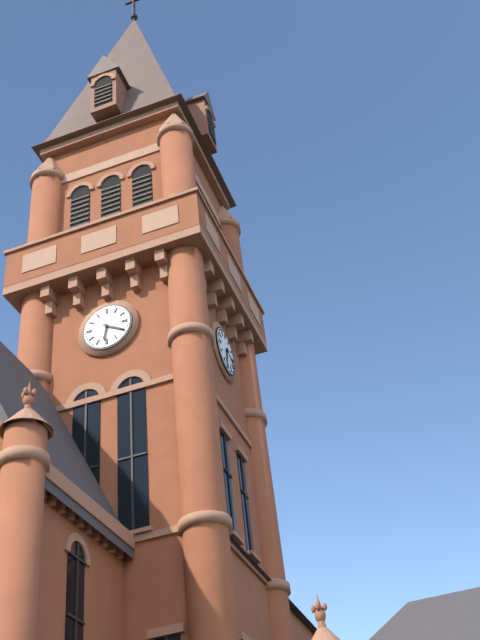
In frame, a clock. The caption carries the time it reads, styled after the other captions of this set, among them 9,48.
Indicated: 6,20
